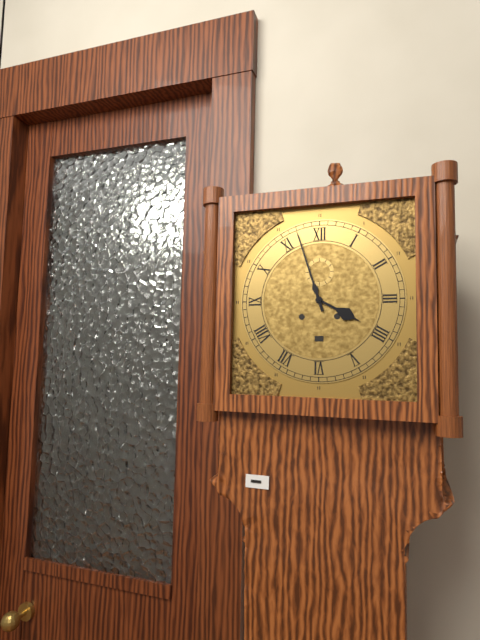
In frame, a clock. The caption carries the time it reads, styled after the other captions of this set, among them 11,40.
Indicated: 3,57
